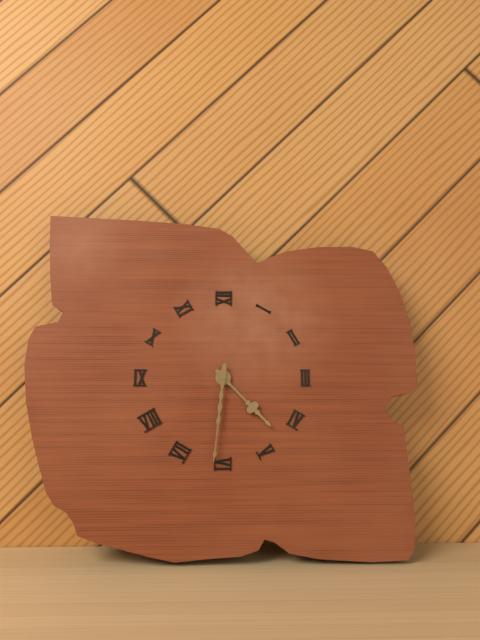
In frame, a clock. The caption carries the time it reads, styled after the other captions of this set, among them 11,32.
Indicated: 4,31
